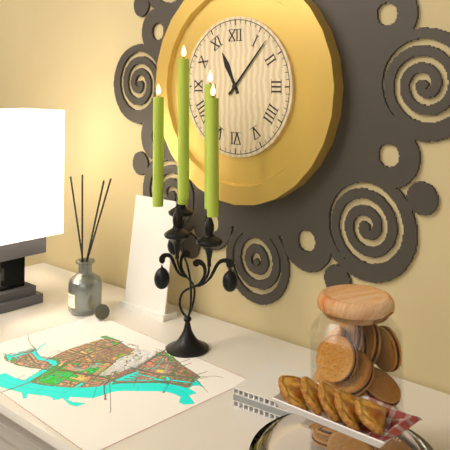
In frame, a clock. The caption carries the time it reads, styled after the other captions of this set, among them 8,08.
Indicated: 11,07
